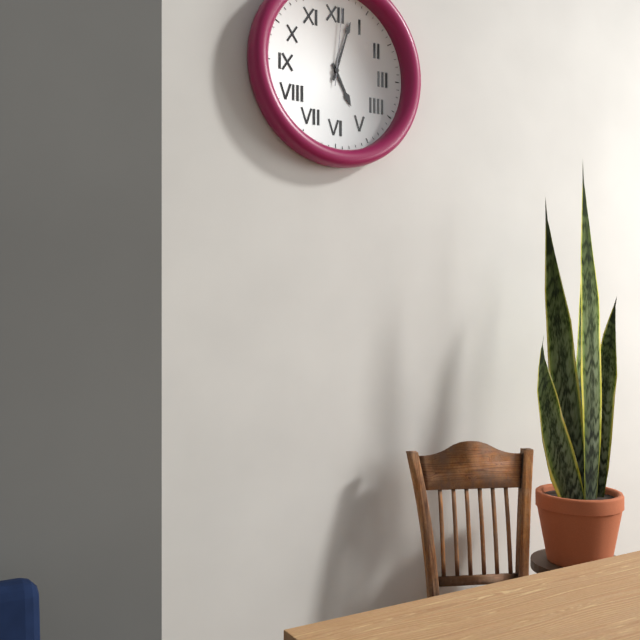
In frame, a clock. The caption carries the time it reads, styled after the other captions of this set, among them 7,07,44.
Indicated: 5,03,01
